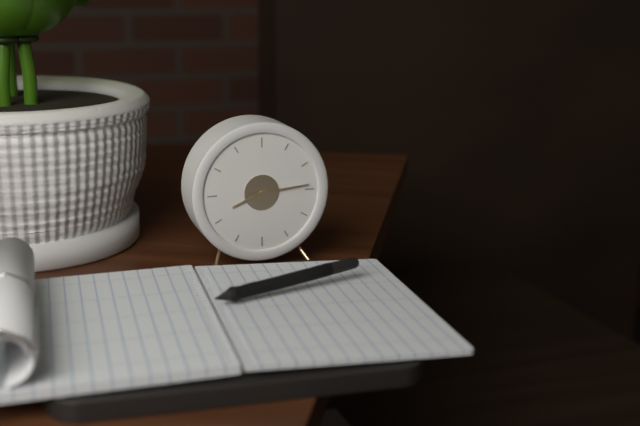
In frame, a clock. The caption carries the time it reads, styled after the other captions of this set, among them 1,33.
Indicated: 8,14
